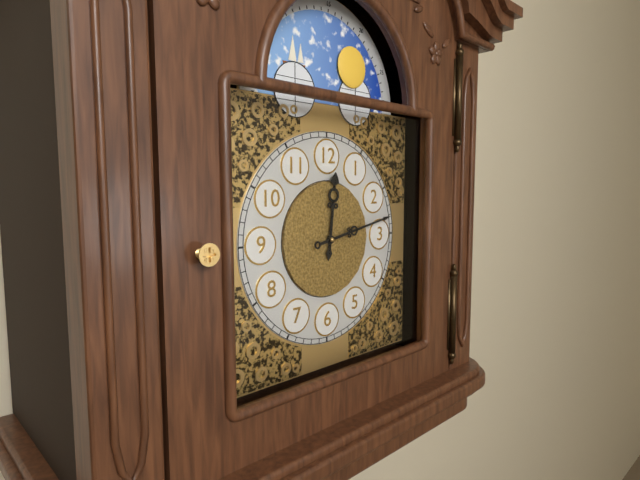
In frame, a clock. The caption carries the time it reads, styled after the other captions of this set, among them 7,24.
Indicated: 12,13
